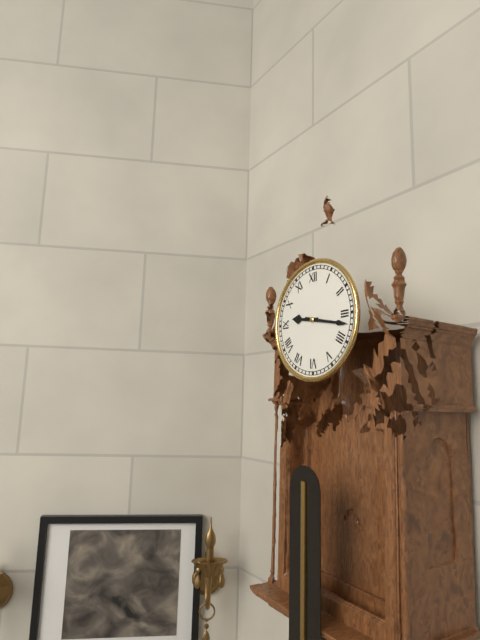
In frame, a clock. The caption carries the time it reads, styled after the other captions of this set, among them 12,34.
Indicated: 9,17
